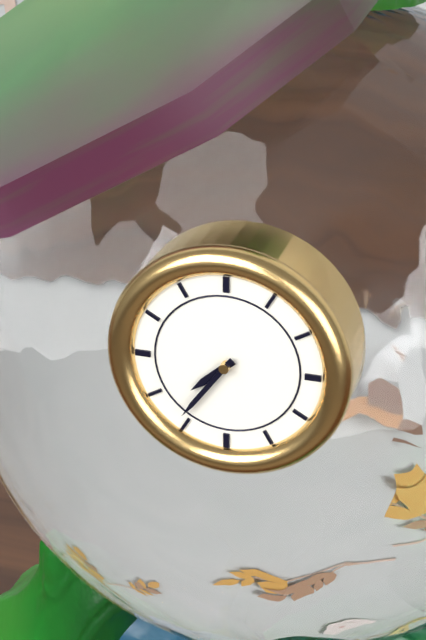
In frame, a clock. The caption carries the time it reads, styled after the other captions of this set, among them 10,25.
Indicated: 7,36
